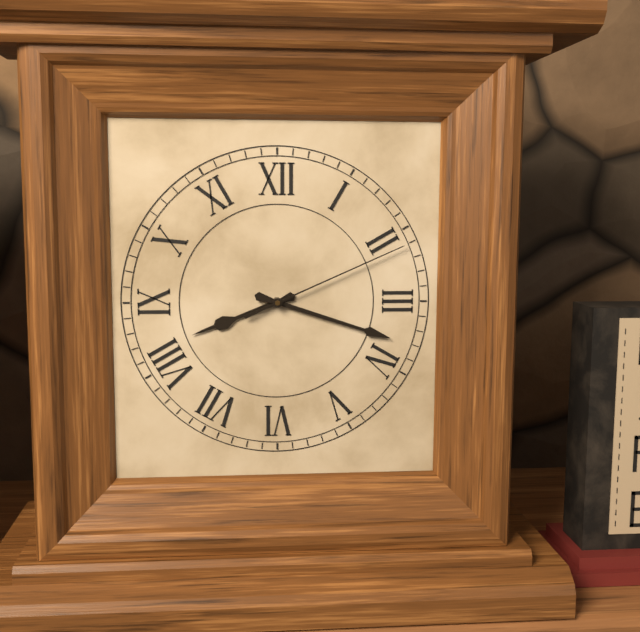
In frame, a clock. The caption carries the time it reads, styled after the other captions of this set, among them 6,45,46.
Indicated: 8,18,11
